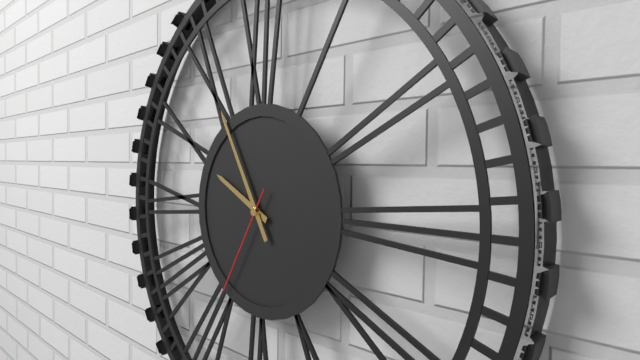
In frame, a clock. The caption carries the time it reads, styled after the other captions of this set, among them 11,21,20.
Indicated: 9,55,35
